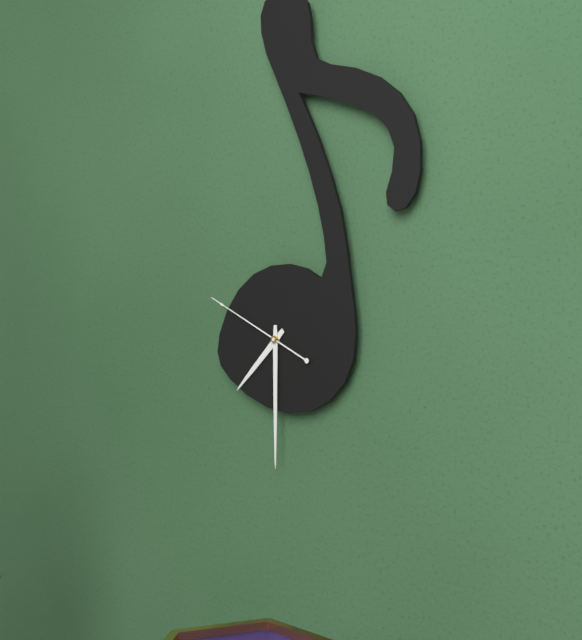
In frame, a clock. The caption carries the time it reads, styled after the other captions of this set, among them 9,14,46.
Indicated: 7,30,49
